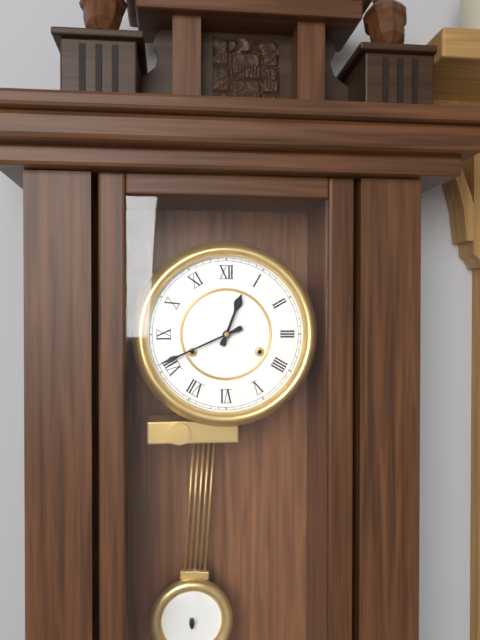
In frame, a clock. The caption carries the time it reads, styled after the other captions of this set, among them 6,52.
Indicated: 12,41
